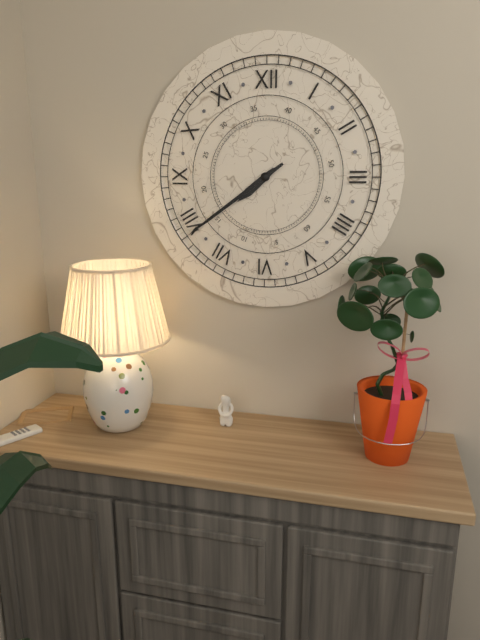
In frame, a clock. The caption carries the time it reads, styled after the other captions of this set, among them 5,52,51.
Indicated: 7,39,39
